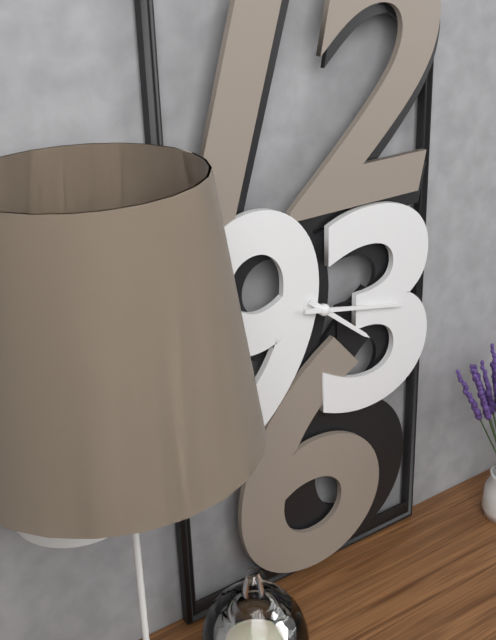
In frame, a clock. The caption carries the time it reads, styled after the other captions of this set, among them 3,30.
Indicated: 4,17
